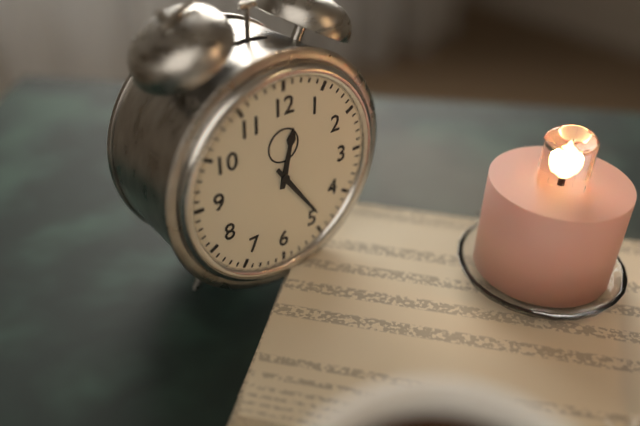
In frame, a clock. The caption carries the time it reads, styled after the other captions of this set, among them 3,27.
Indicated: 12,24
